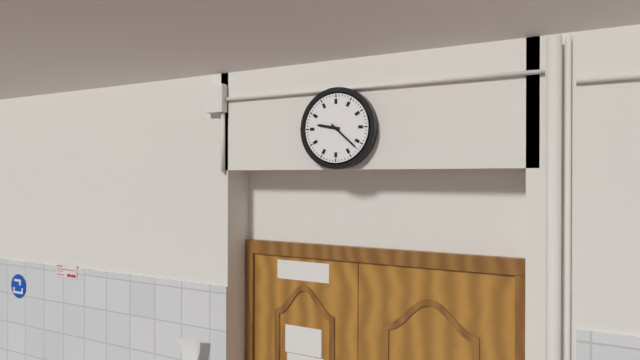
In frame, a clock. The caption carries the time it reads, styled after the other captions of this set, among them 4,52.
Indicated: 9,22
